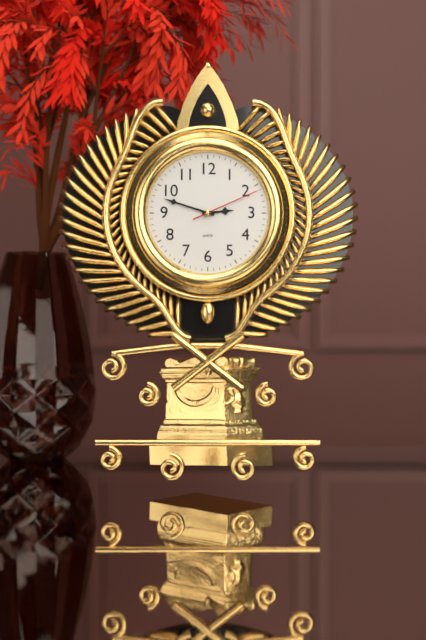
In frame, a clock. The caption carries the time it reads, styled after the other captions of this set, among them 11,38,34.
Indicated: 2,48,11
